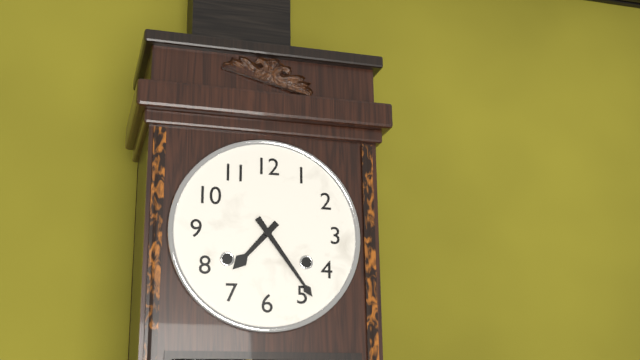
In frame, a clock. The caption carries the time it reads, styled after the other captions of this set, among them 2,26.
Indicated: 7,24
